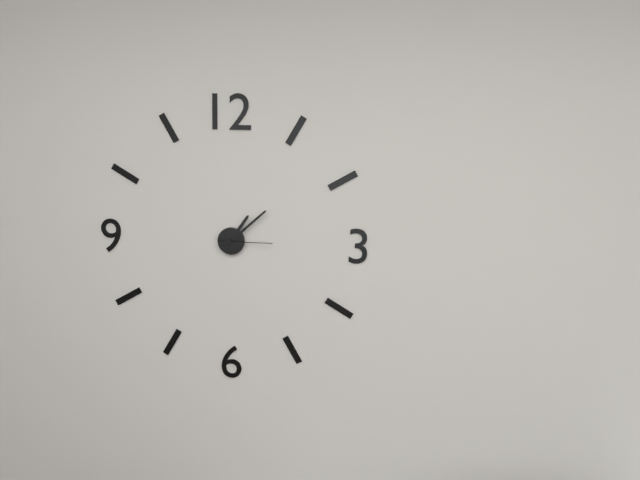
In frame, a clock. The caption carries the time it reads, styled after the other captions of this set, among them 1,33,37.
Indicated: 1,08,15
